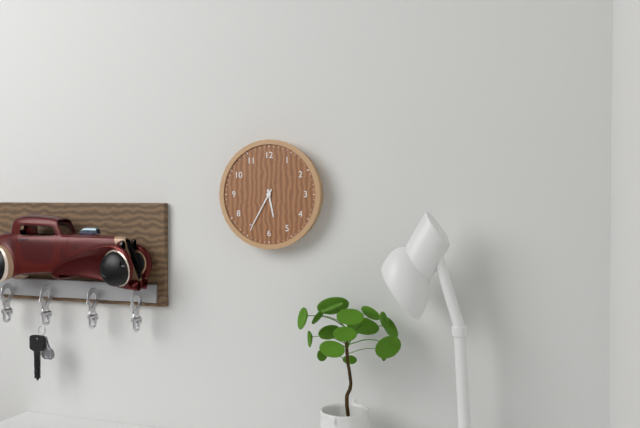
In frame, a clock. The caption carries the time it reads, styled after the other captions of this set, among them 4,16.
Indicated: 5,35
